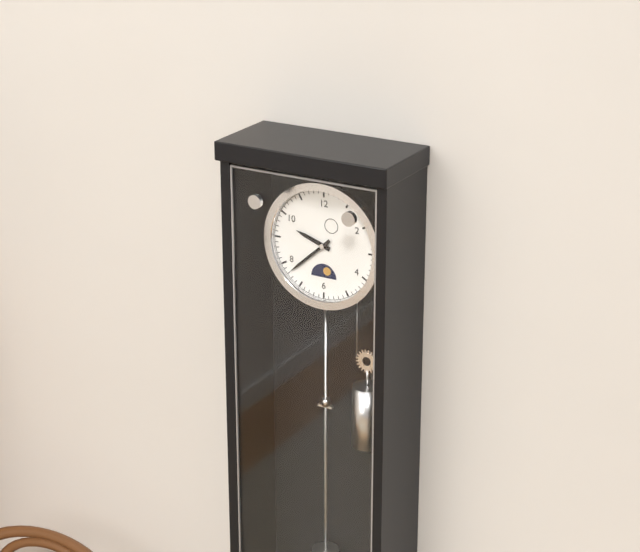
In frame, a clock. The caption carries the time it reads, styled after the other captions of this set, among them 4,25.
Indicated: 9,38
